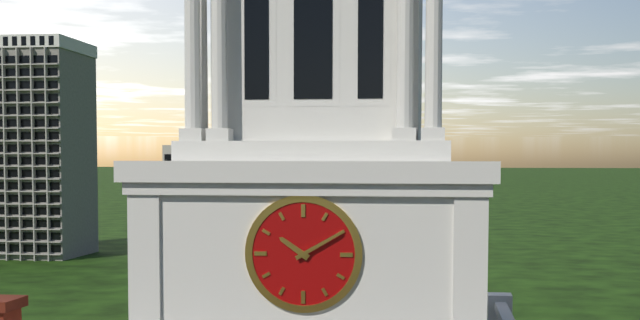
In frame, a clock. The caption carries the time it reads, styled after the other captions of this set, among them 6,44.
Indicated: 10,10
